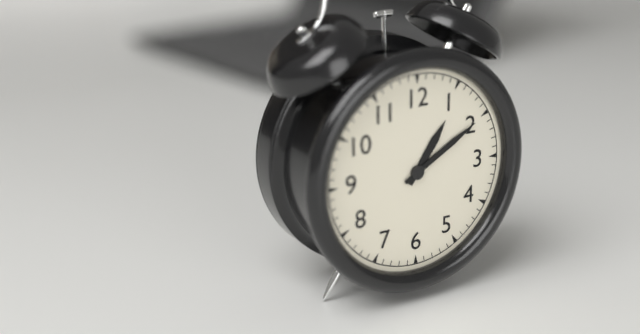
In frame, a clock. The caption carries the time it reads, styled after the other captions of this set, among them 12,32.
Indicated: 1,10
